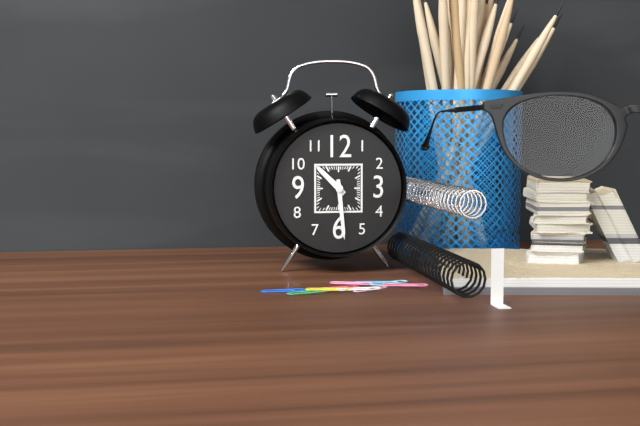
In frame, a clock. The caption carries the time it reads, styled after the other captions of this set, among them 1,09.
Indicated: 10,29
